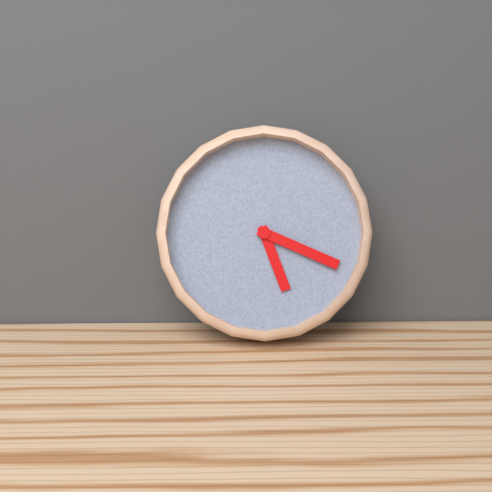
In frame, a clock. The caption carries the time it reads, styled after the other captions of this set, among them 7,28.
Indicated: 5,19
